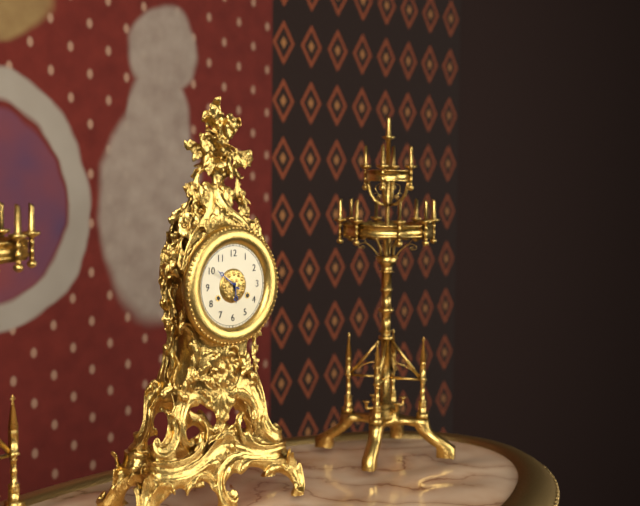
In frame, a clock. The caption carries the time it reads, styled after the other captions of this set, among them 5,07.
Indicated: 5,51
